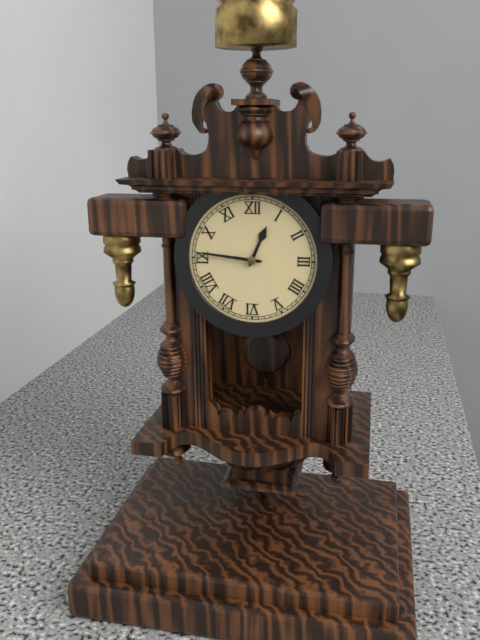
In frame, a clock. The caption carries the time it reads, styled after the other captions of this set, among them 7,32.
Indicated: 12,46
